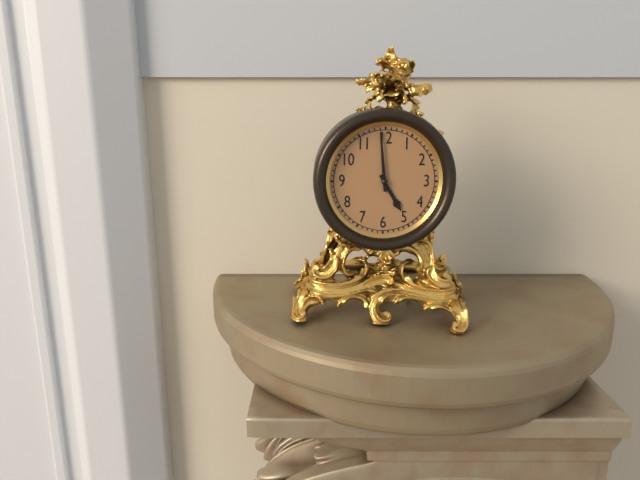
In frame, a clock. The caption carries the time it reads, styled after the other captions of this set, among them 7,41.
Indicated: 4,59
